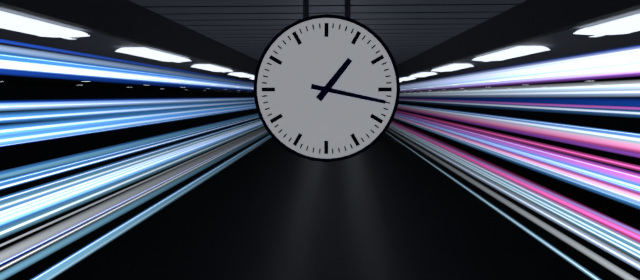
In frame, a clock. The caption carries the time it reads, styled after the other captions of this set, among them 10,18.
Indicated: 1,17
